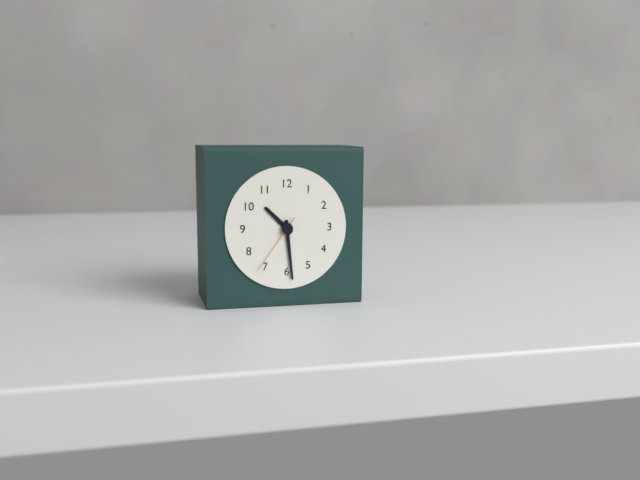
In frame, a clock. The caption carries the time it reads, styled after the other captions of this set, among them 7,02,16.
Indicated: 10,29,36
